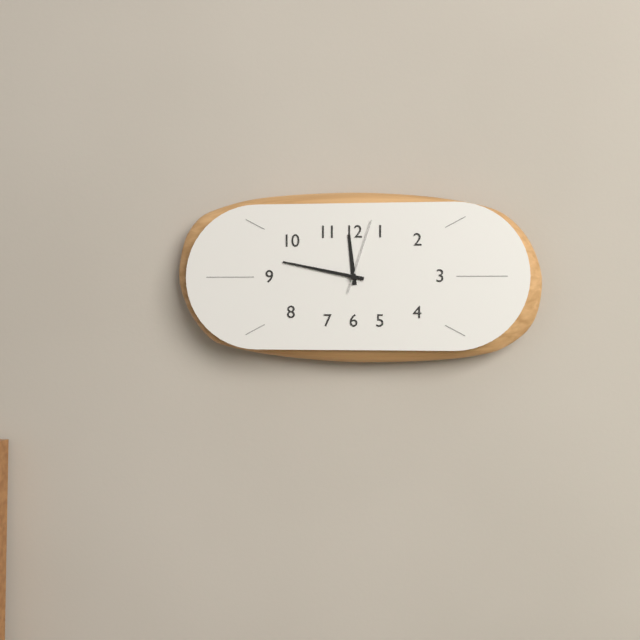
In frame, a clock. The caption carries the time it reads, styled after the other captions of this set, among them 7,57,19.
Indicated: 11,47,03
